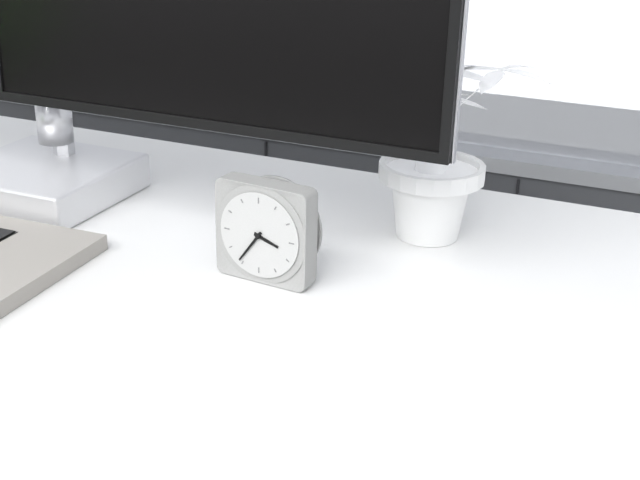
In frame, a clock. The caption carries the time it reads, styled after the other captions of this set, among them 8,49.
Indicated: 3,36
